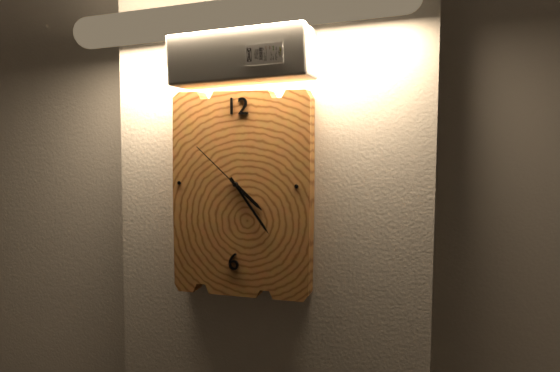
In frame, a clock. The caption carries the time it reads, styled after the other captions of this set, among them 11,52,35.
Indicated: 4,24,52
